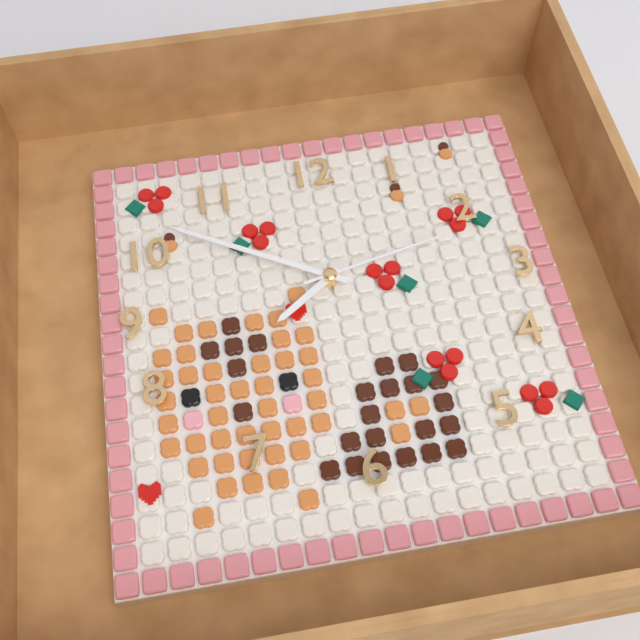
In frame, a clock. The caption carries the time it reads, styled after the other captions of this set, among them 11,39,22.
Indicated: 7,50,13
